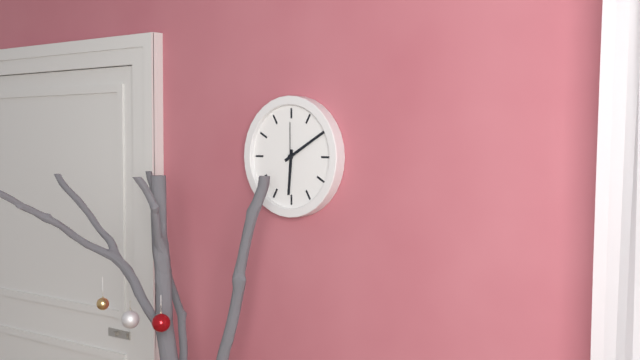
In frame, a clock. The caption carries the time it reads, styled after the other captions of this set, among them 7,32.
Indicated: 6,10
